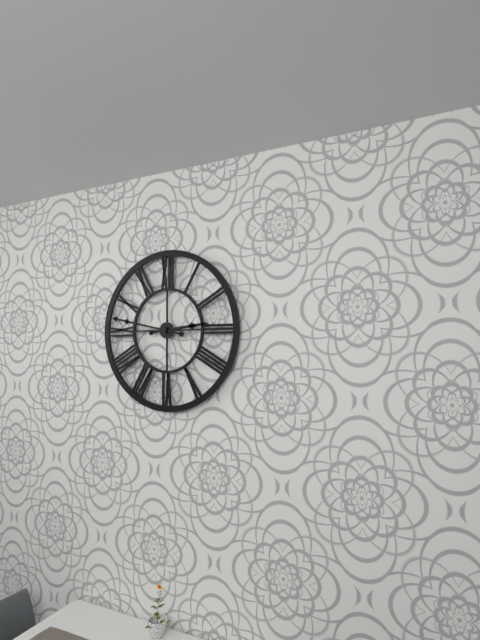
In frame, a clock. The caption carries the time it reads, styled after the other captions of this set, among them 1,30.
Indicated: 2,47
